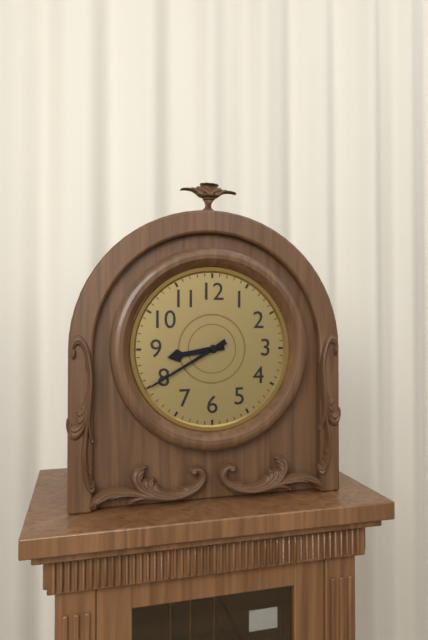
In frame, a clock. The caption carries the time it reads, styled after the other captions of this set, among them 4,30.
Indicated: 8,40
